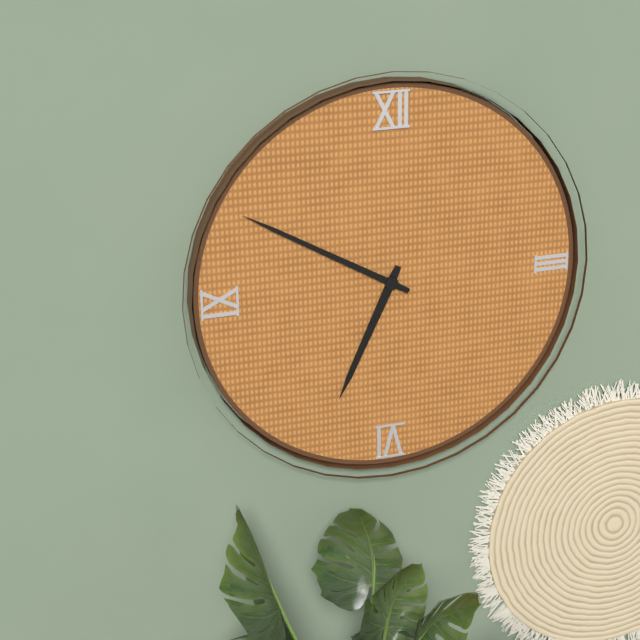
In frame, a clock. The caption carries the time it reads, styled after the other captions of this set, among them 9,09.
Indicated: 6,50
